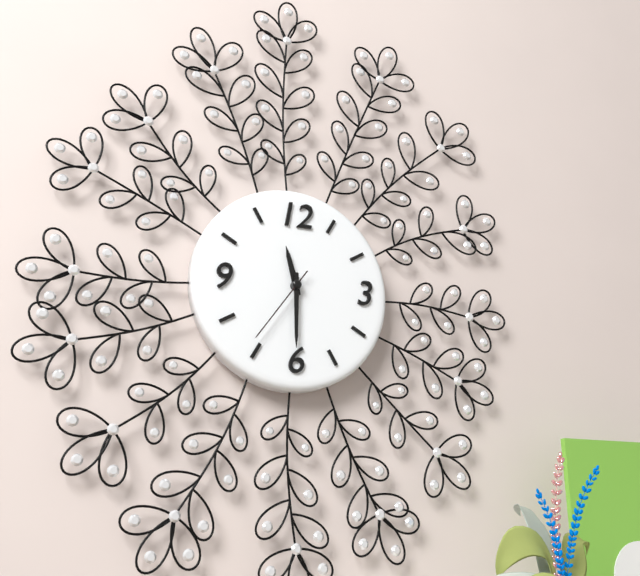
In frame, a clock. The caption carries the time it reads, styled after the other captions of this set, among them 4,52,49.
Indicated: 11,30,36
